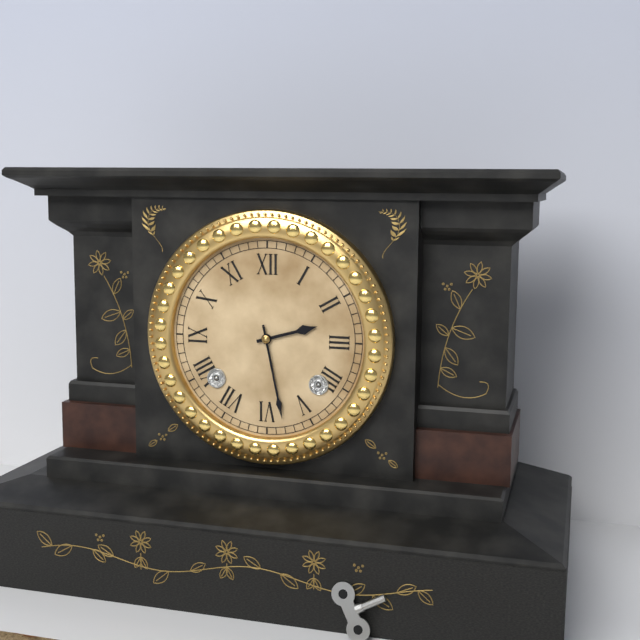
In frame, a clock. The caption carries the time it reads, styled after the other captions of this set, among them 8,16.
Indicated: 2,28
